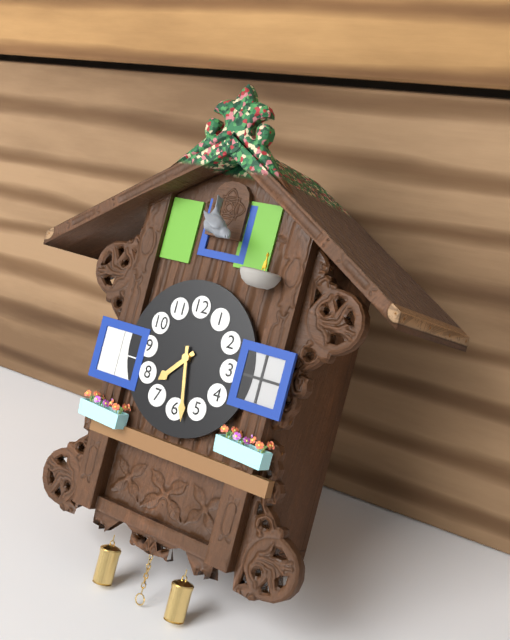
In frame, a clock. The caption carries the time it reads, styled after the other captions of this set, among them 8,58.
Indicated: 7,28
